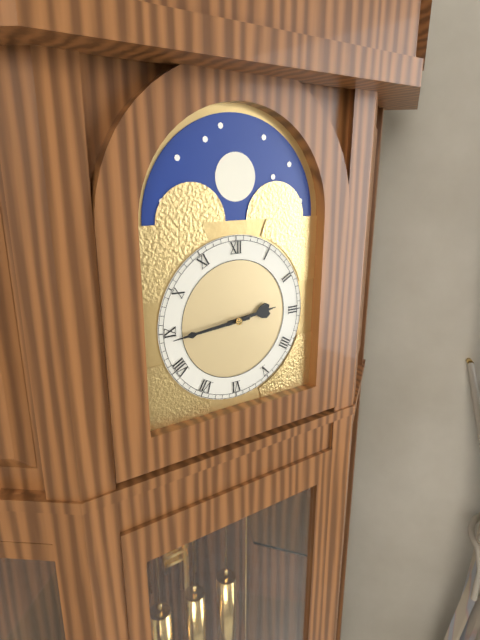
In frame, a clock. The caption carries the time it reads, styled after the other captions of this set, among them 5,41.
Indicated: 2,44
